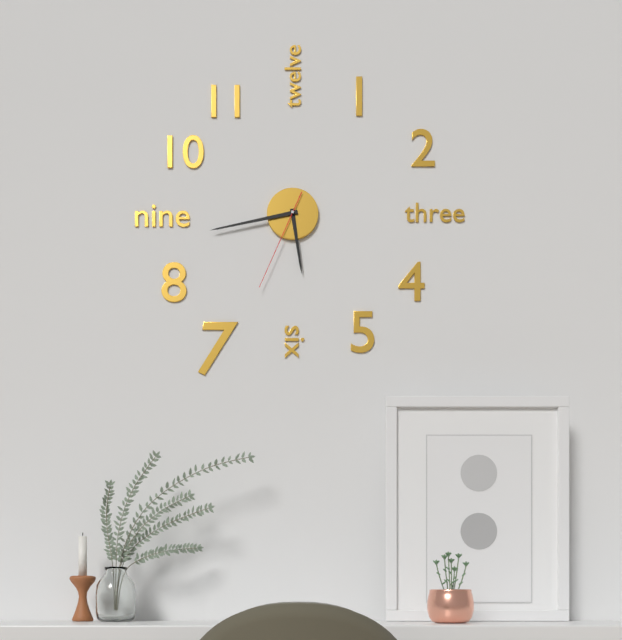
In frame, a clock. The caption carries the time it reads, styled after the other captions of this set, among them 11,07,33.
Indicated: 5,43,34
